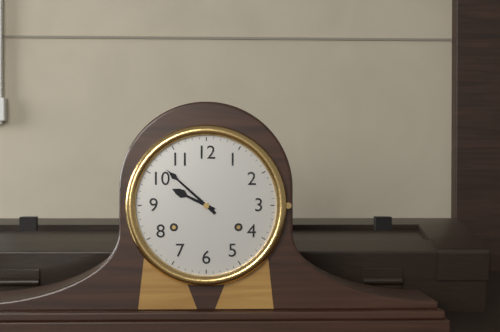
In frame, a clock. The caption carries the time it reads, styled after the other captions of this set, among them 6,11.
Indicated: 9,52
